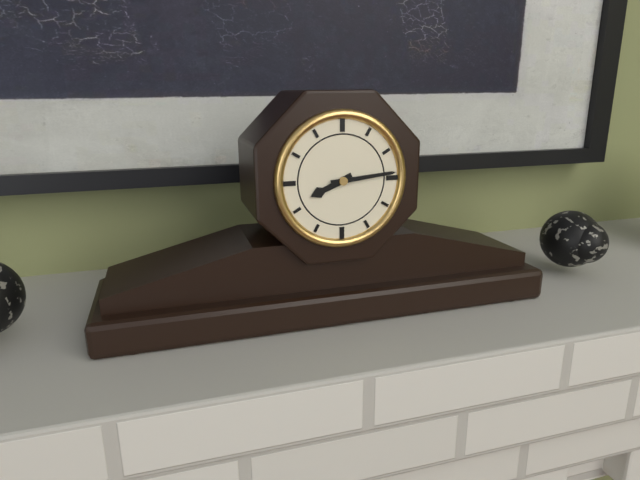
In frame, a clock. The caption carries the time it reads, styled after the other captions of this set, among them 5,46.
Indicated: 8,14
